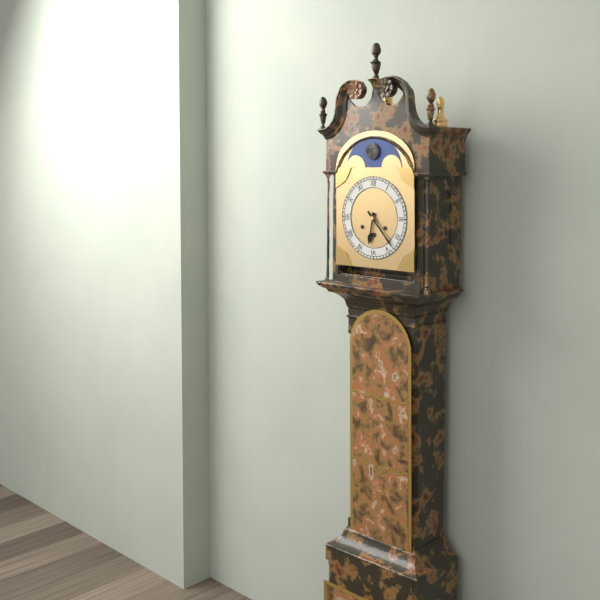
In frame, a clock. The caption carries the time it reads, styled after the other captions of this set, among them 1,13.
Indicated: 6,23
